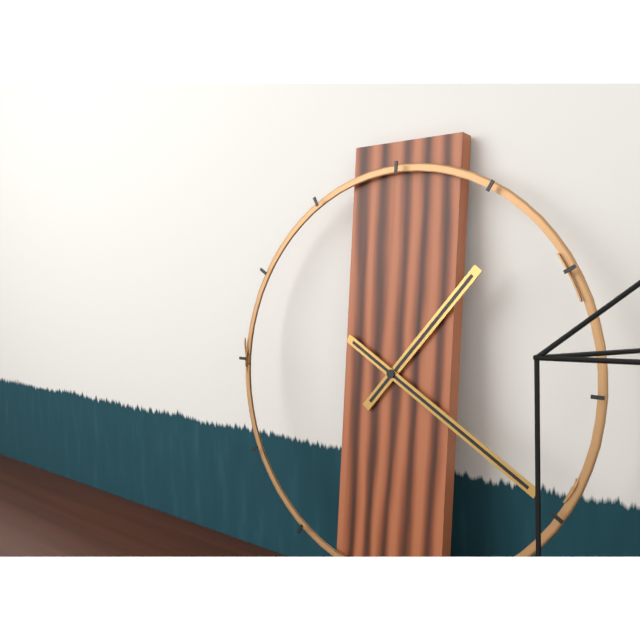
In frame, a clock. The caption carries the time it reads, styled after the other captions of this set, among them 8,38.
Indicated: 1,20
